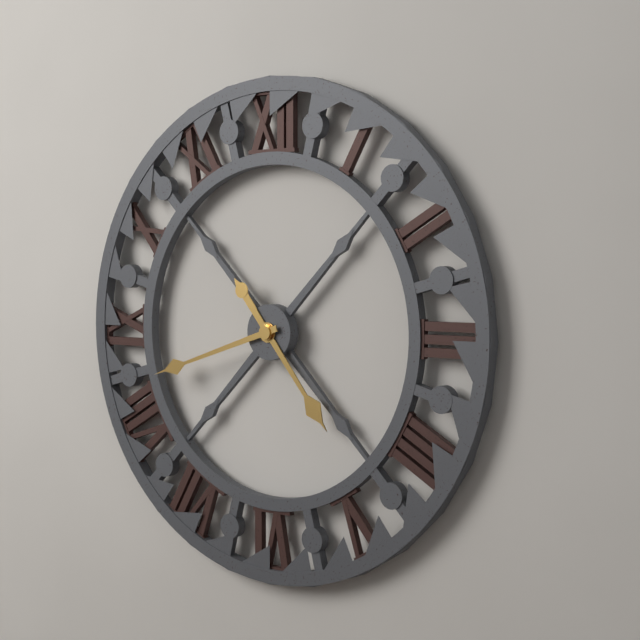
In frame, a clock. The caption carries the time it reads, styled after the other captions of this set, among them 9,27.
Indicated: 4,42
